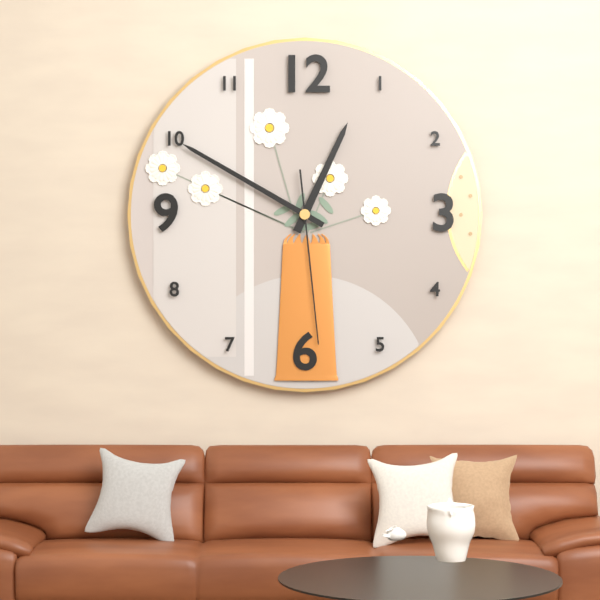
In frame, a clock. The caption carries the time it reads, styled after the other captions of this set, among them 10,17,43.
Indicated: 12,50,29
